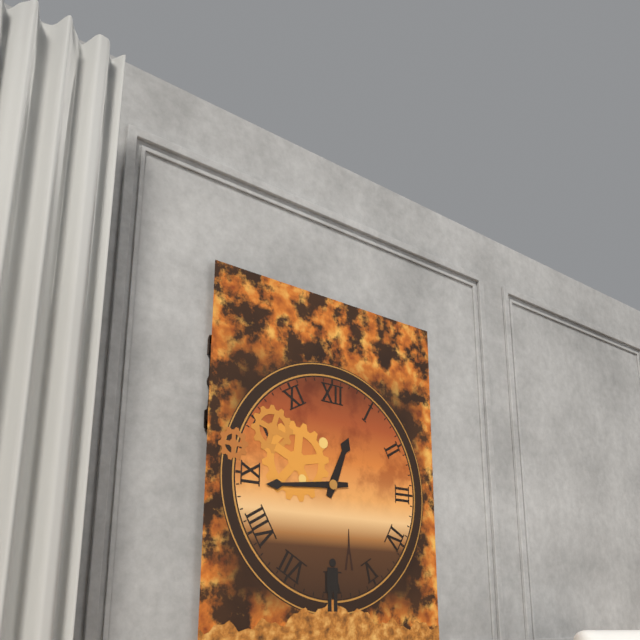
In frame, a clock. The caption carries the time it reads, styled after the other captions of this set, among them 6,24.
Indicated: 12,44
